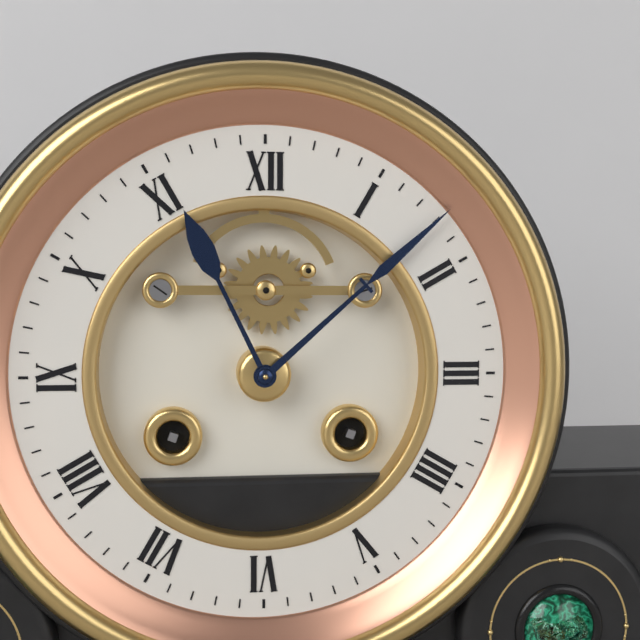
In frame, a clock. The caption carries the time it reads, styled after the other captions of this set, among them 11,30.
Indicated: 11,08
